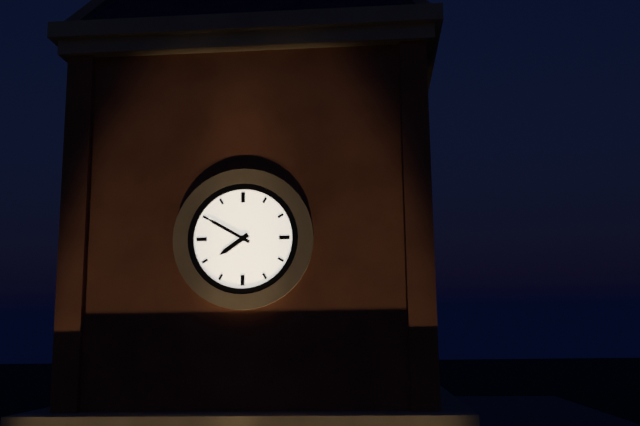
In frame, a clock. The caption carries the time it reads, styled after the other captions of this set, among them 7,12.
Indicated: 7,50
